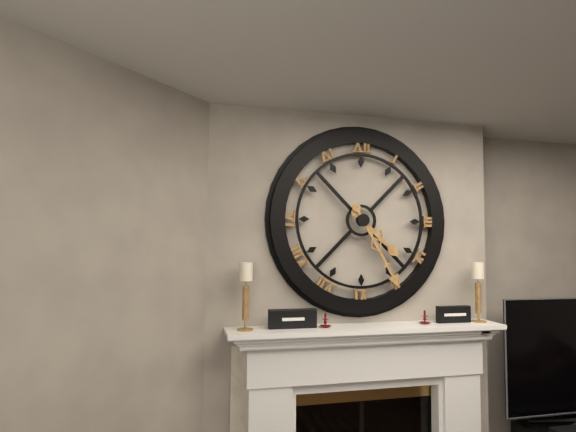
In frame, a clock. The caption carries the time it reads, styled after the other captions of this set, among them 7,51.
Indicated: 4,25
